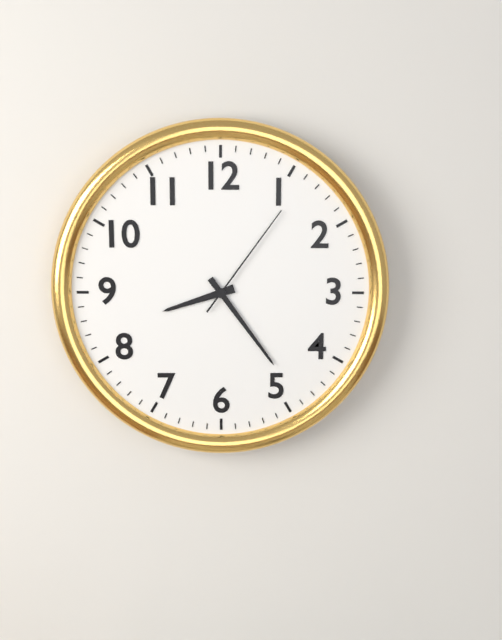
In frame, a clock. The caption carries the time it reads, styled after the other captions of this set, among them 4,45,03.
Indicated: 8,24,06
